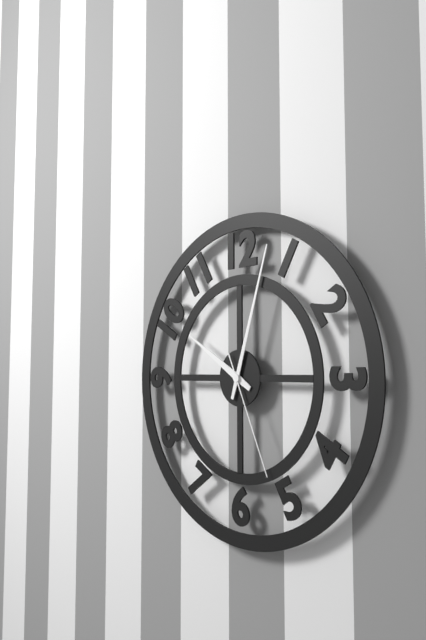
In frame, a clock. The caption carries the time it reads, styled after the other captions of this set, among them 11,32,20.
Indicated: 10,03,26
